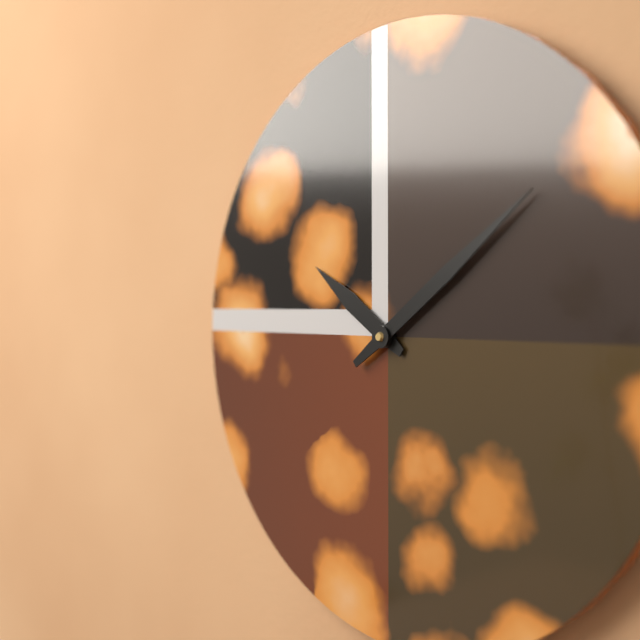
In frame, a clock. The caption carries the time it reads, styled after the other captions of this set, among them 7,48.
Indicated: 10,09
